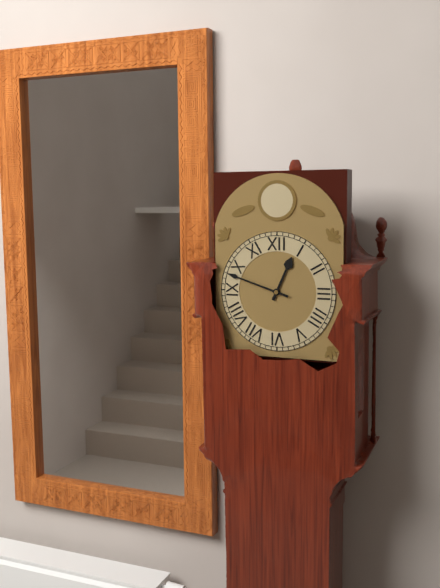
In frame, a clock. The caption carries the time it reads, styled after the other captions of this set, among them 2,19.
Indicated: 12,48
